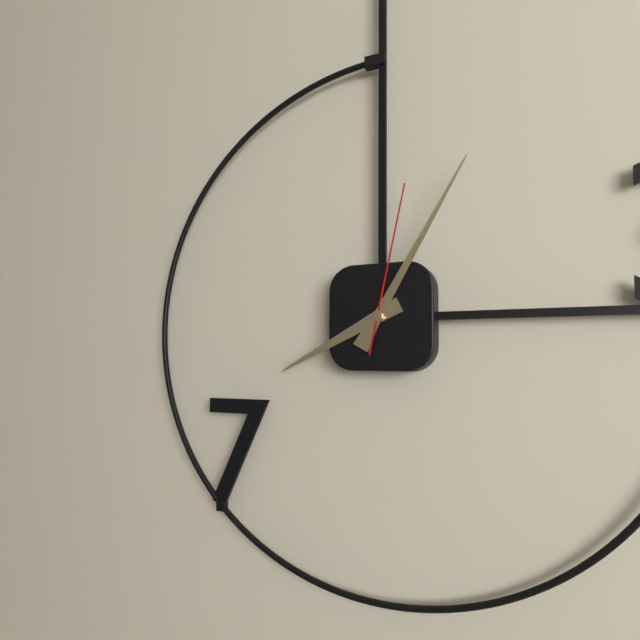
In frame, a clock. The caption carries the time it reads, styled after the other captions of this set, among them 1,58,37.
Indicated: 8,05,02
